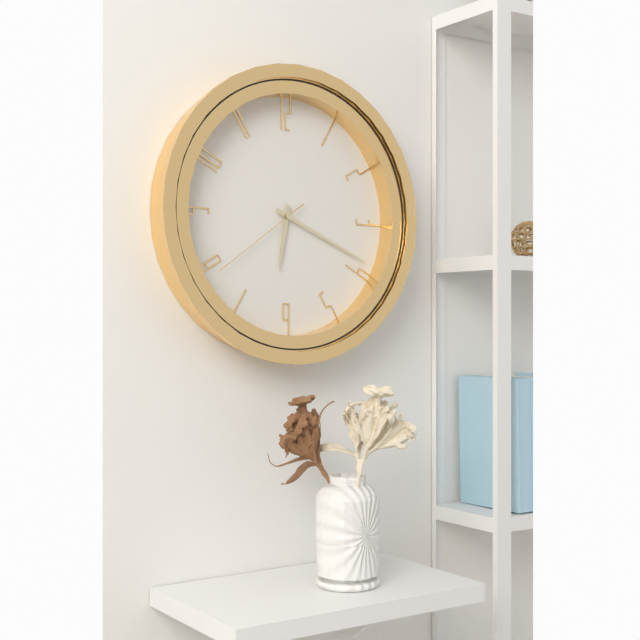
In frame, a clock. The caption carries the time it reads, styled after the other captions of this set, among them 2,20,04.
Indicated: 6,19,39
